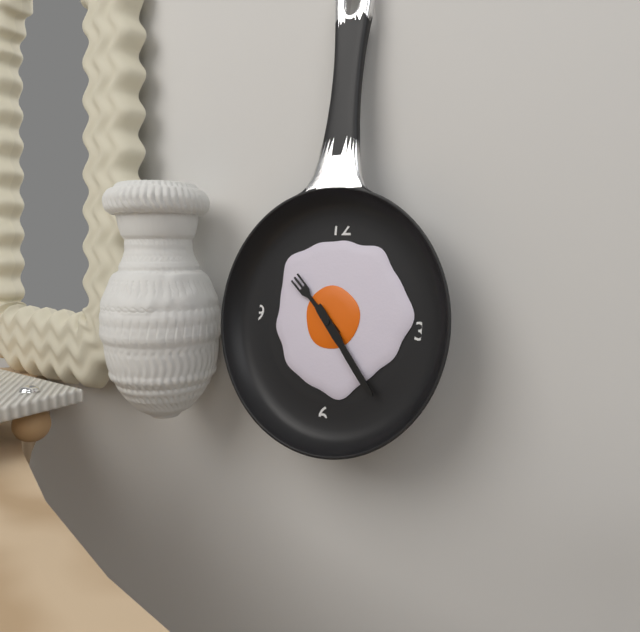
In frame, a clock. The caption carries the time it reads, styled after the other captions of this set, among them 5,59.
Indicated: 10,23
